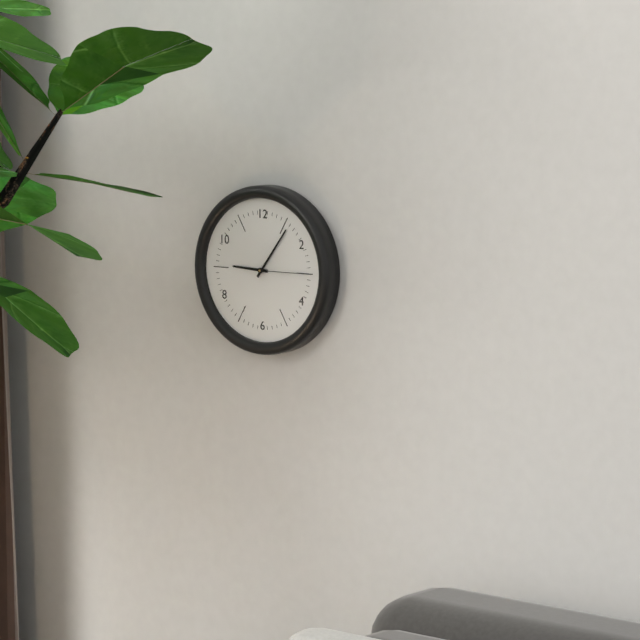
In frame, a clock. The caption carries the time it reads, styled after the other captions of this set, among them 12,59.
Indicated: 9,06
